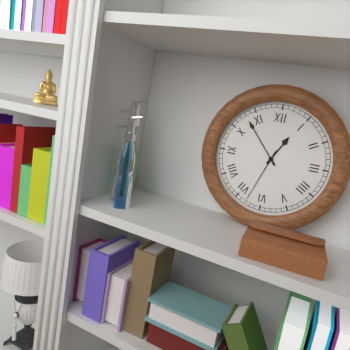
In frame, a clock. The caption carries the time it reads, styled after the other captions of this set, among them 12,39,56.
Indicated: 12,53,33
